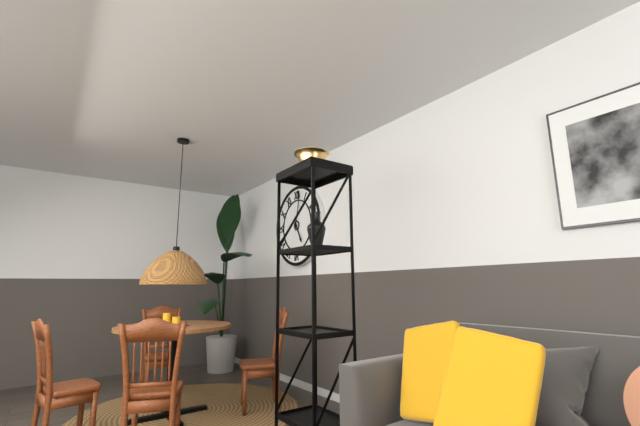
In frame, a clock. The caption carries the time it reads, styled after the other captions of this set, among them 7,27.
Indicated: 5,02
